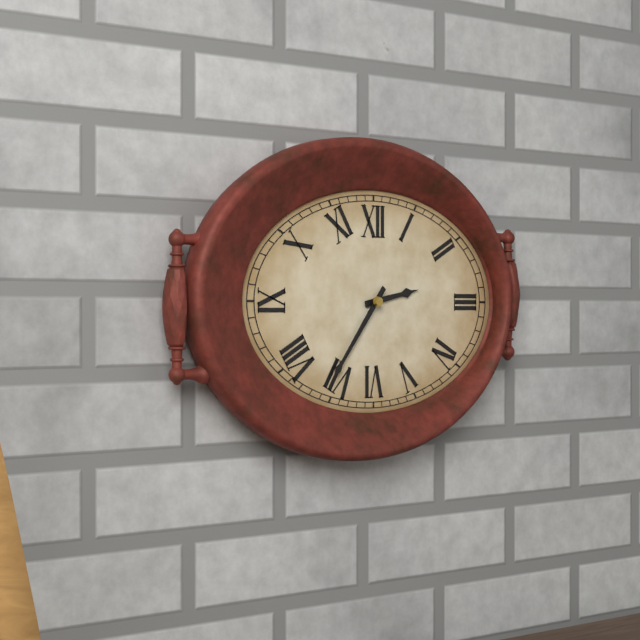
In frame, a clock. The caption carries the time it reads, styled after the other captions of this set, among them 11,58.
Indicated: 2,36
